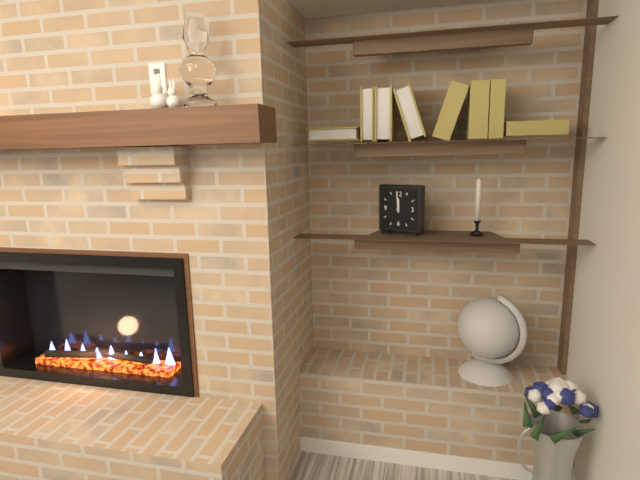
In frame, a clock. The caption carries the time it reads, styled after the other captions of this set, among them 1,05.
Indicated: 11,59
